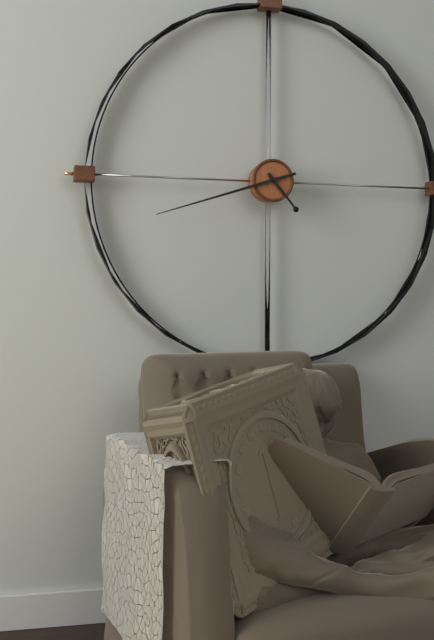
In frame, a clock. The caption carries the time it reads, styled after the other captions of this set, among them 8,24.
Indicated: 4,42
